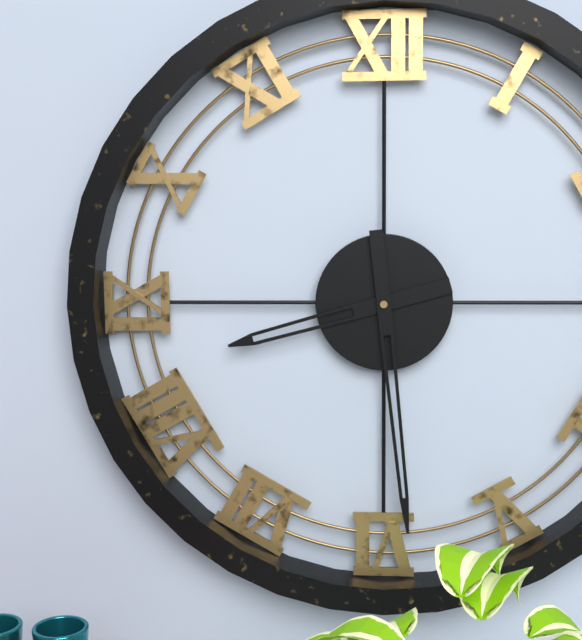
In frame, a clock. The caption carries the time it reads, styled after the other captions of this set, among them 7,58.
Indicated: 8,29
